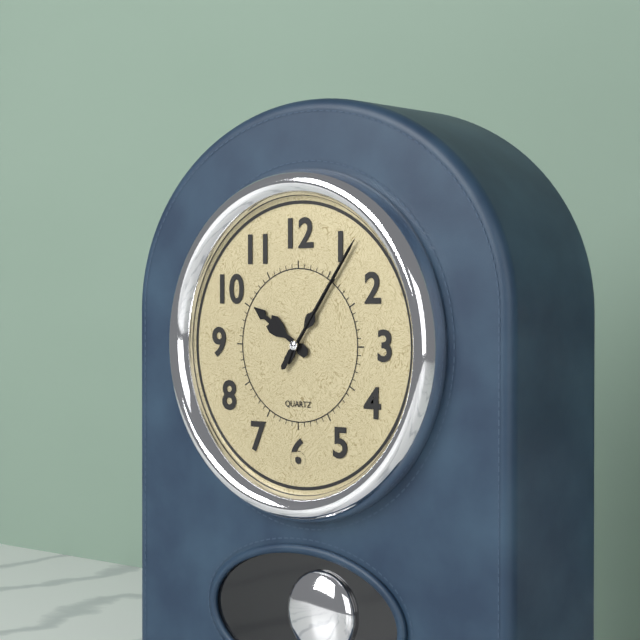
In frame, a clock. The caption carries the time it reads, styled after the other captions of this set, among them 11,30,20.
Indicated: 10,06,06
